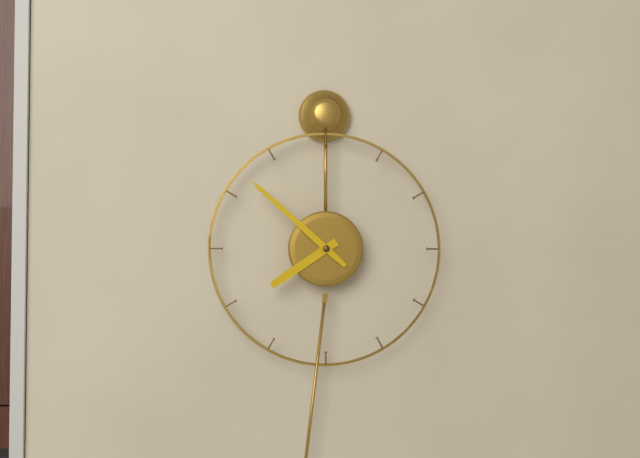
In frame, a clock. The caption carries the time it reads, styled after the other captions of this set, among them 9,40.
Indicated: 7,52
